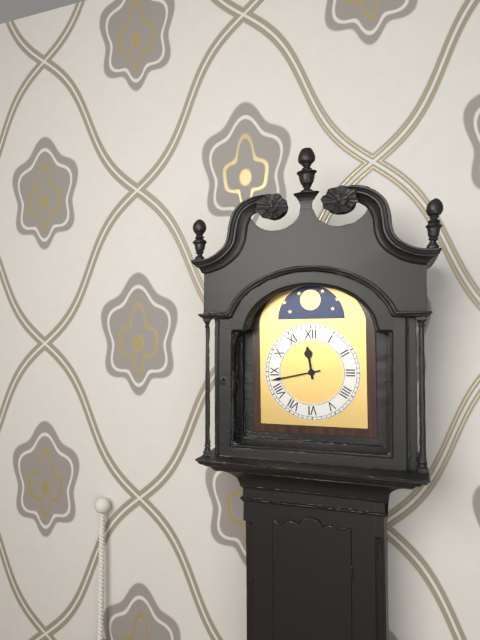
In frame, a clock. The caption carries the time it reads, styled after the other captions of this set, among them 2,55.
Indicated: 11,43
